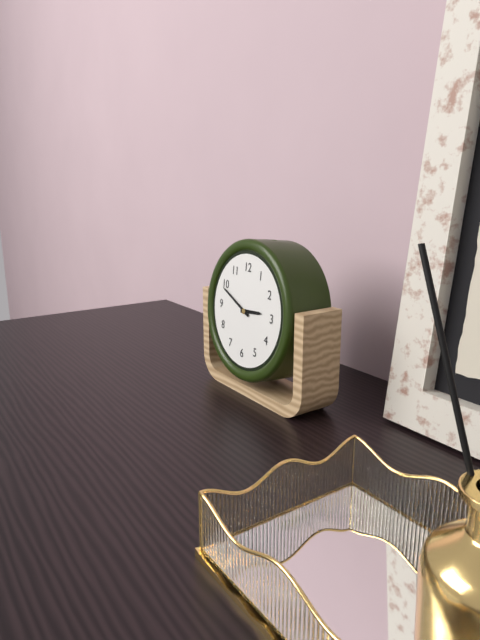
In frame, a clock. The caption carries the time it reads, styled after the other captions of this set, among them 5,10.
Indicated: 2,49
